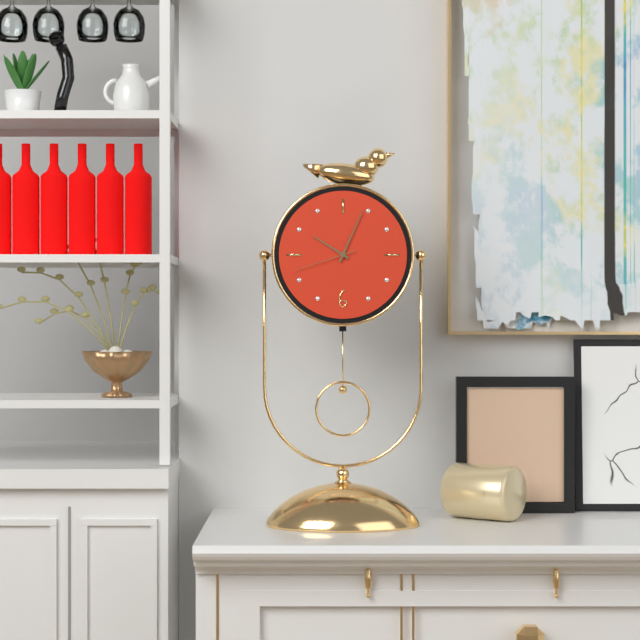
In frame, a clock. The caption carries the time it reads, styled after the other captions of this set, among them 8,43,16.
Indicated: 10,04,42
